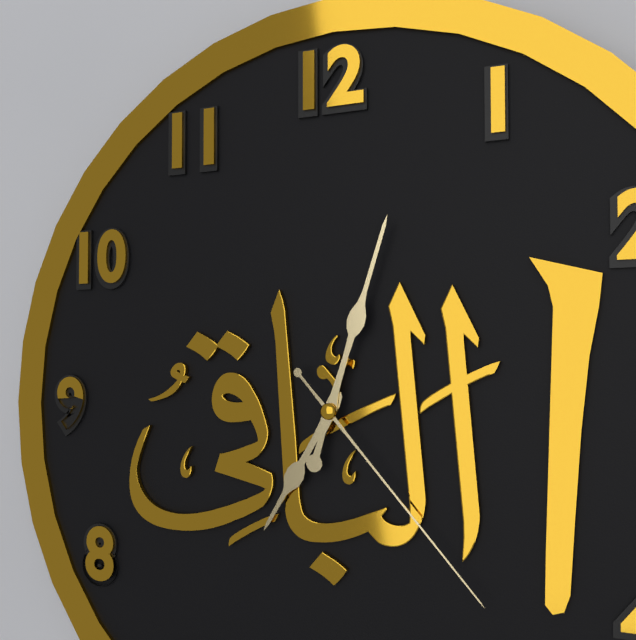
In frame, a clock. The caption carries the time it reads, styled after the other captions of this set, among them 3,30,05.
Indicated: 7,03,23
